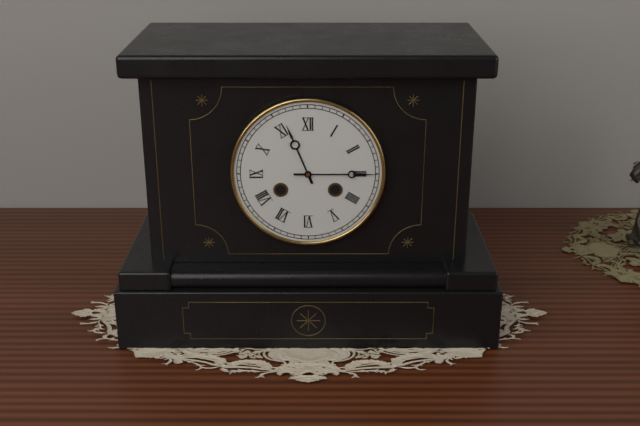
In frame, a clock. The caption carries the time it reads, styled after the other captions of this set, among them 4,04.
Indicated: 11,15
